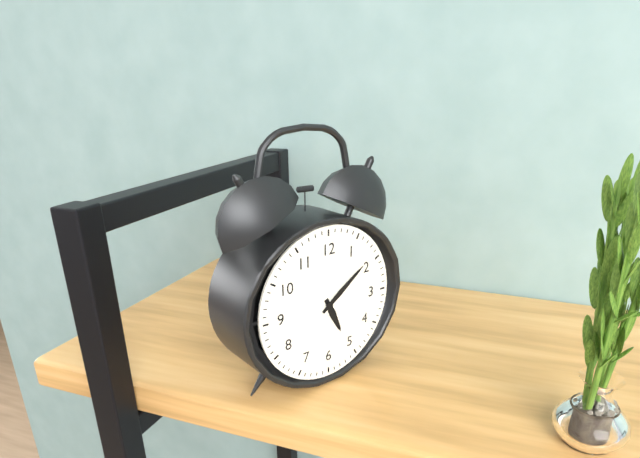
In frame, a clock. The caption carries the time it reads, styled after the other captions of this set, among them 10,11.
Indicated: 5,09
